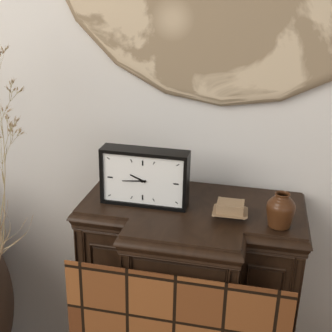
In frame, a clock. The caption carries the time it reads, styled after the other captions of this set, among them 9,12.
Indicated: 9,44
